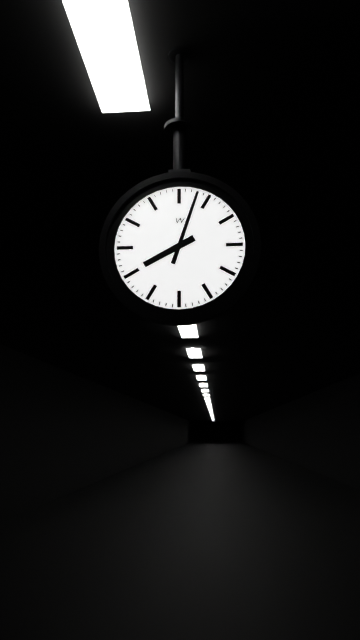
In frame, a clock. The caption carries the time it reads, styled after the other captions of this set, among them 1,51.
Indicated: 8,03
